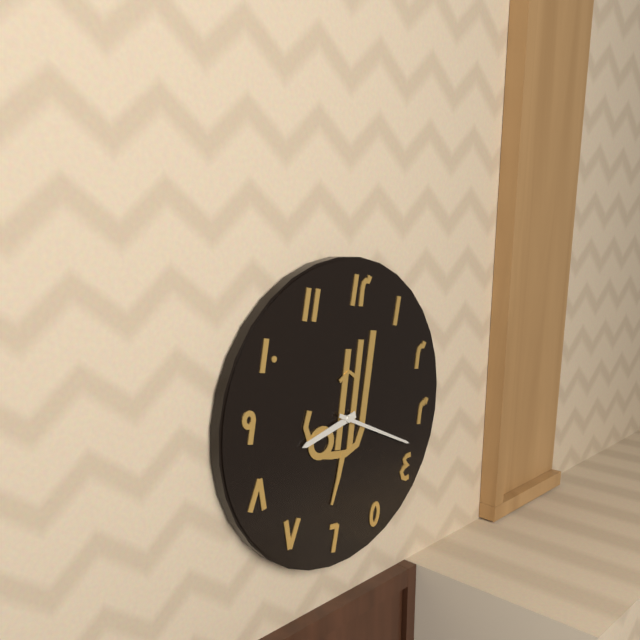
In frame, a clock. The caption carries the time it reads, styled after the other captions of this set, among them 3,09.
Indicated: 8,18
